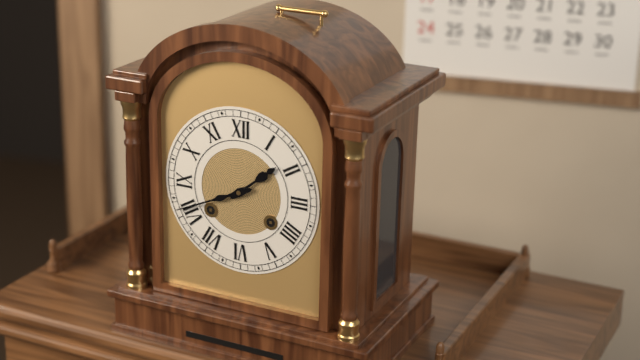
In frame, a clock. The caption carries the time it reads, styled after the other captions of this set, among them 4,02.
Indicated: 1,41
